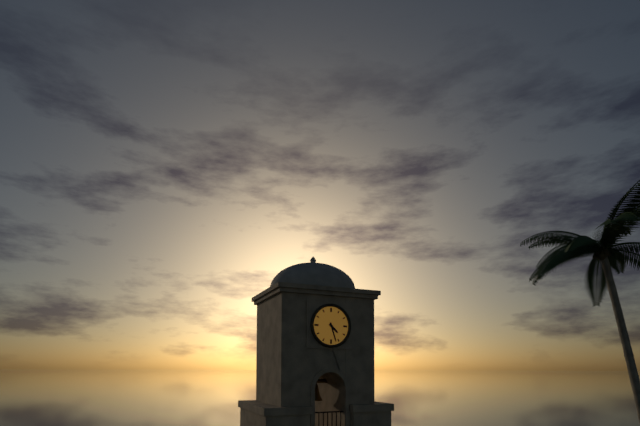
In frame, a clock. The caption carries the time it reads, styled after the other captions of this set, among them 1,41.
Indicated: 4,27
